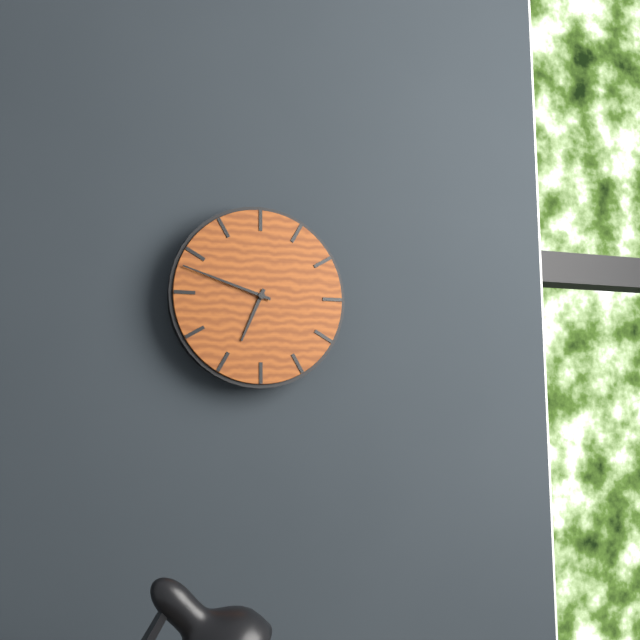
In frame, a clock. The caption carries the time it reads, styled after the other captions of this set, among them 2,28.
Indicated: 6,48
